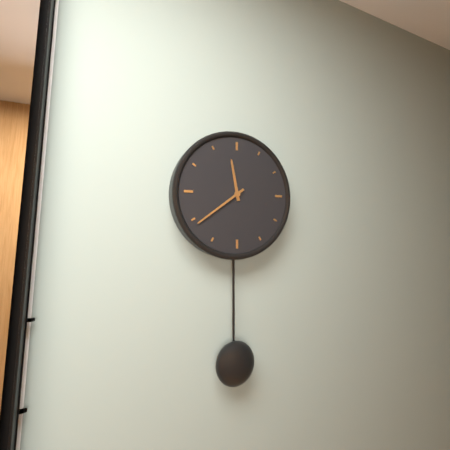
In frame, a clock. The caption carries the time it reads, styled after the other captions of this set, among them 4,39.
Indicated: 11,39
